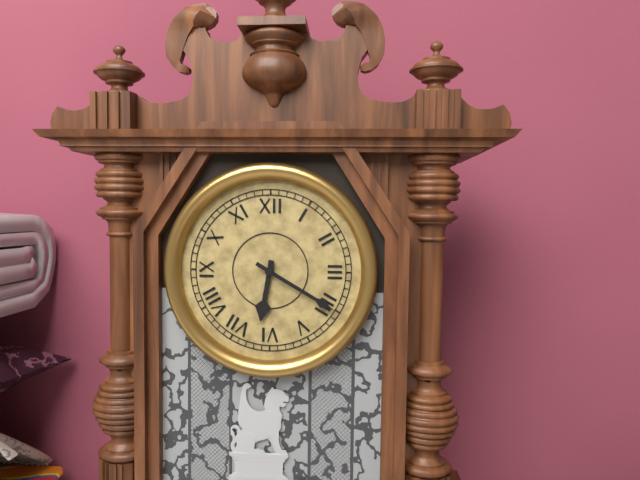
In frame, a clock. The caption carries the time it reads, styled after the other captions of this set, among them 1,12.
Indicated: 6,20
